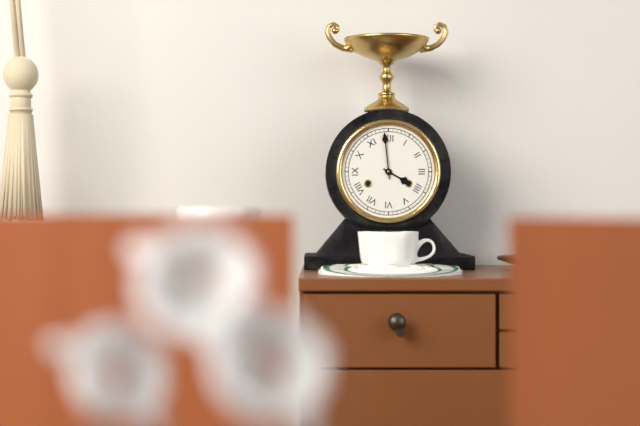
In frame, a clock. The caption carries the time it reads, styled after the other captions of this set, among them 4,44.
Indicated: 3,59
